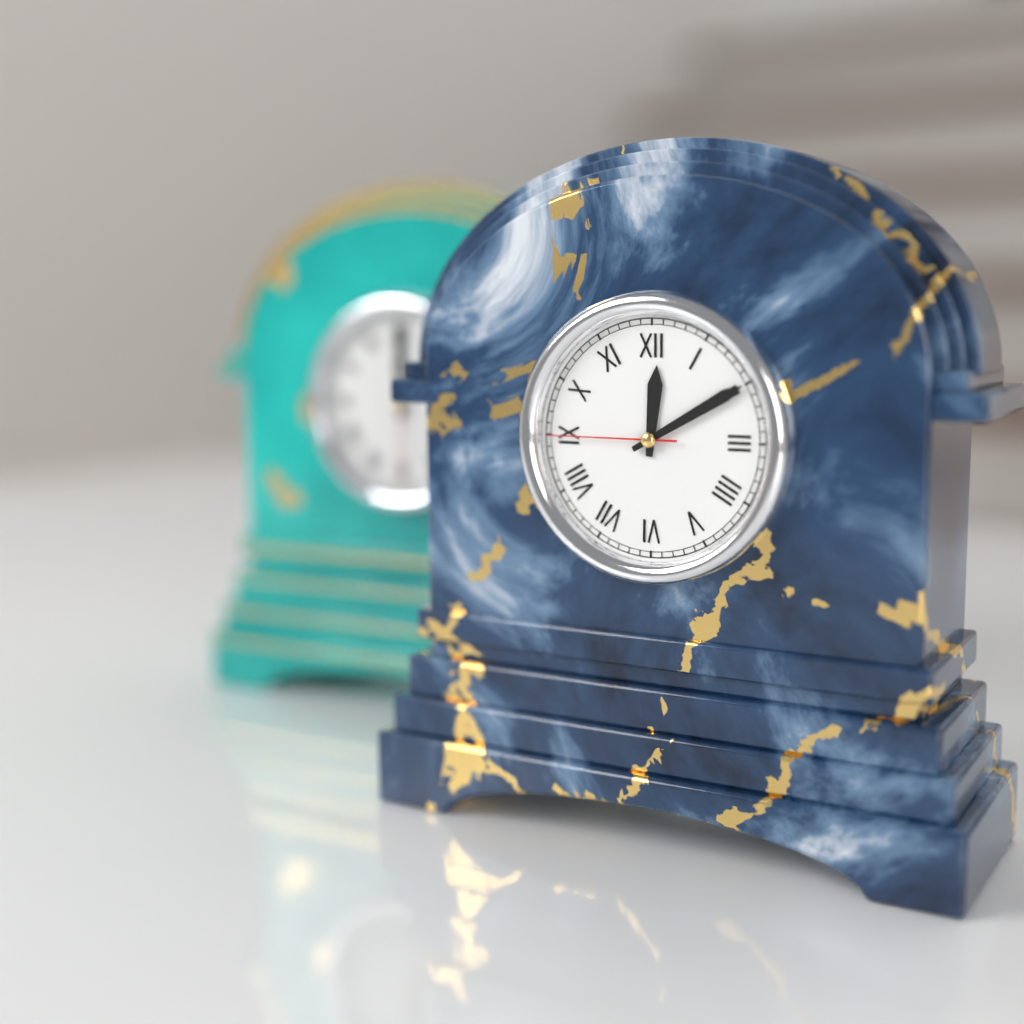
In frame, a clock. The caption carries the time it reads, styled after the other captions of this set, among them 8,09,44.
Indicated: 12,10,45
